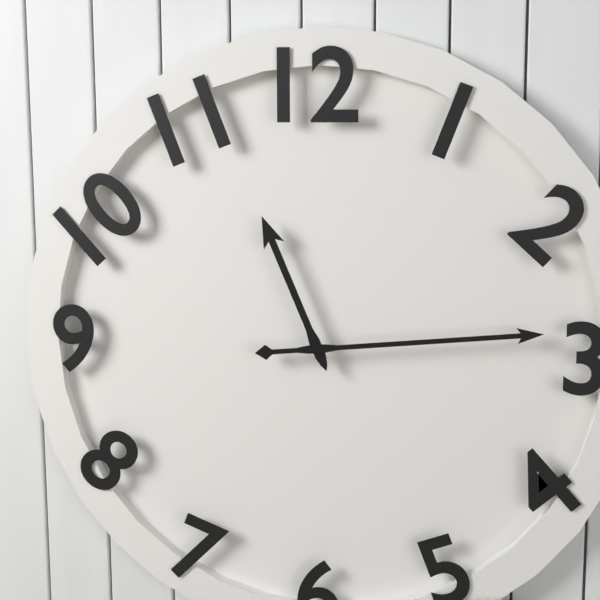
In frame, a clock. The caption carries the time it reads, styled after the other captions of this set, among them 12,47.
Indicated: 11,14
